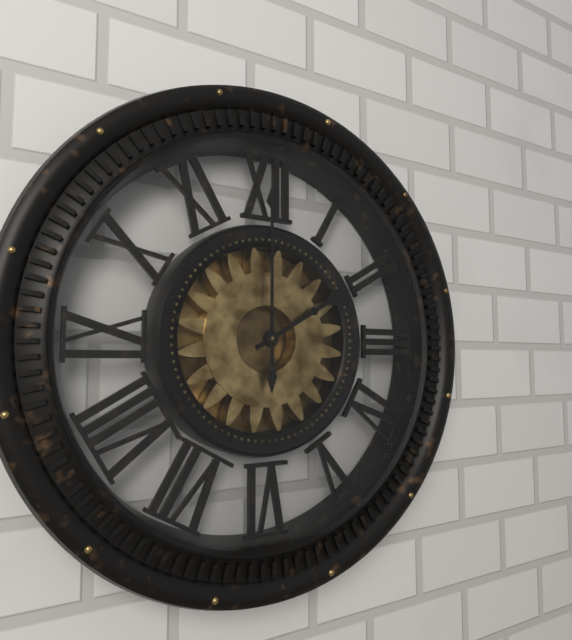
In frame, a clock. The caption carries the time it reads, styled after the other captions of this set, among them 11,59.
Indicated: 2,00
